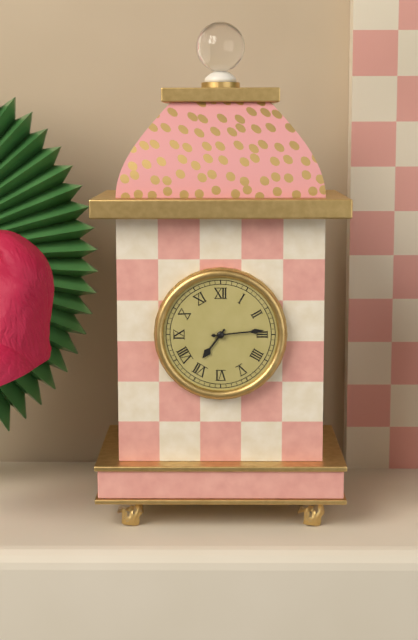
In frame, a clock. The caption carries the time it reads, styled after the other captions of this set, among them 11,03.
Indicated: 7,14
